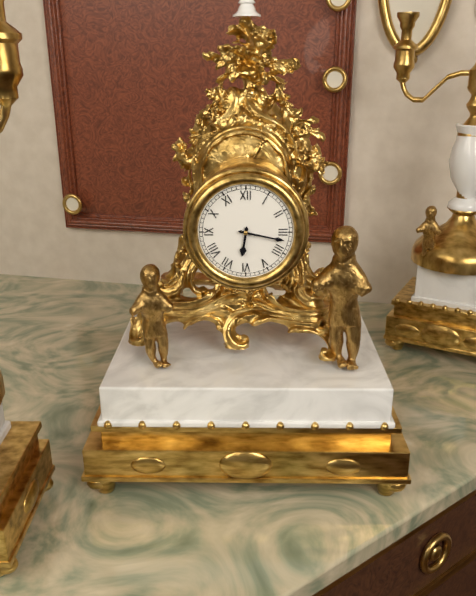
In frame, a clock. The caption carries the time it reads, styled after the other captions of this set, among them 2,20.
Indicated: 6,17
